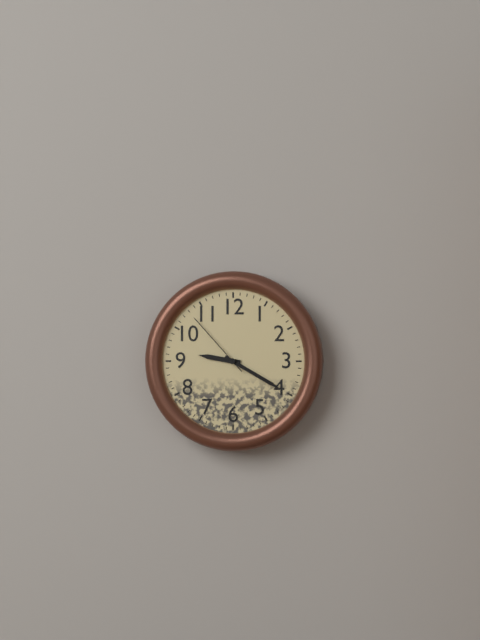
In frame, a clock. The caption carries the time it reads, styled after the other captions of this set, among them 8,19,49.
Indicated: 9,20,53
